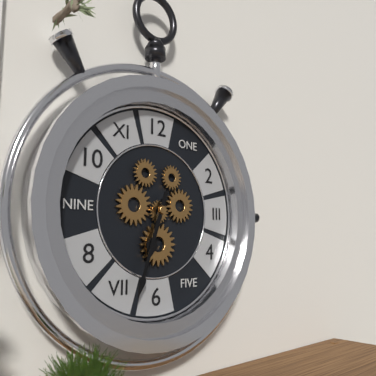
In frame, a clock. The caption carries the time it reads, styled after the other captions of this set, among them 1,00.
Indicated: 6,33
